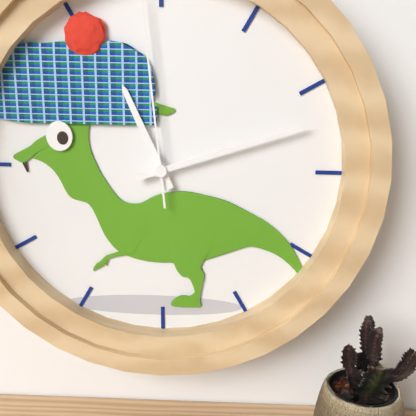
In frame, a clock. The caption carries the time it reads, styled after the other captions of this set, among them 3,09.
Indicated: 11,12
